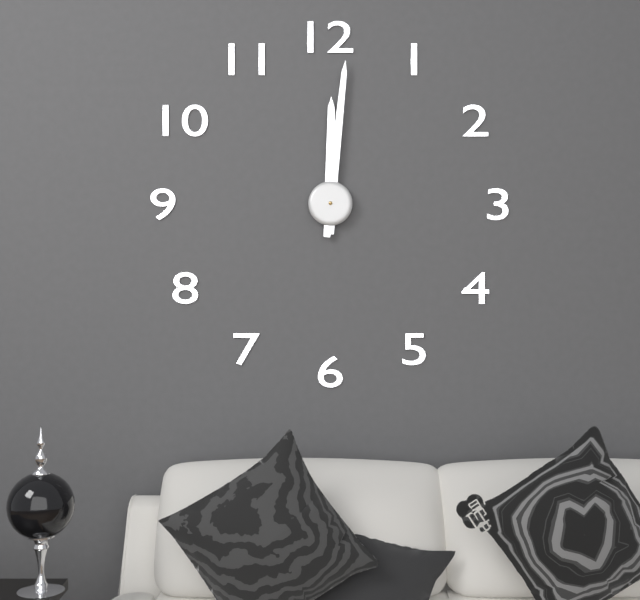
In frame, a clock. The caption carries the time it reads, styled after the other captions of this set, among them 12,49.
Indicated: 12,01
